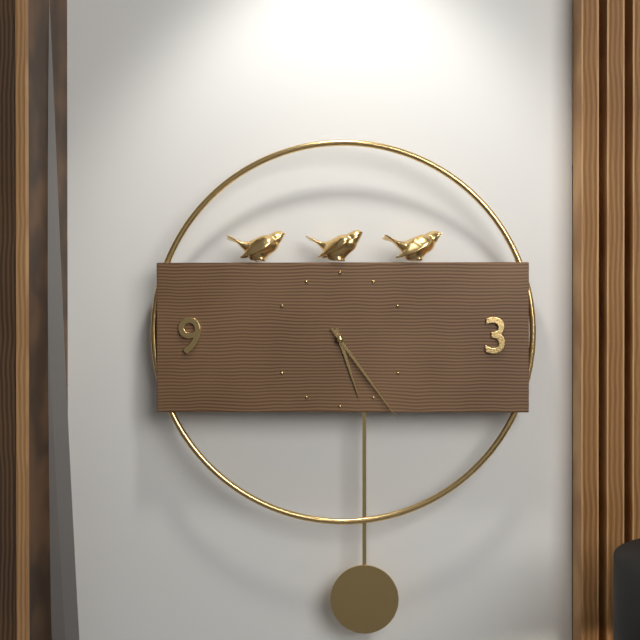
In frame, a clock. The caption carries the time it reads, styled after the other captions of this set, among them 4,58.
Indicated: 5,24
